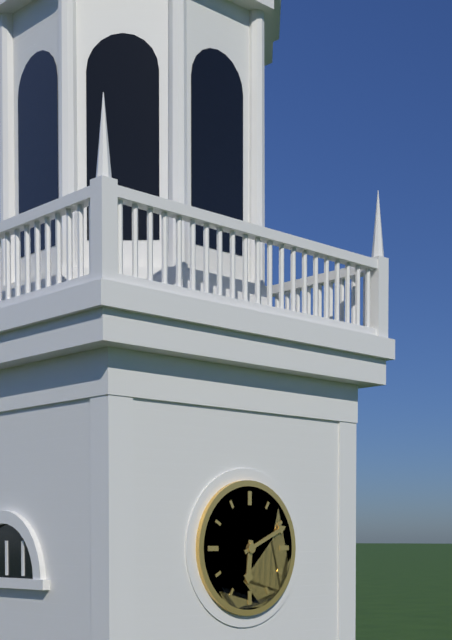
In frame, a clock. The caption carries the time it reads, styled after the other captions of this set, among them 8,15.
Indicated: 6,11
